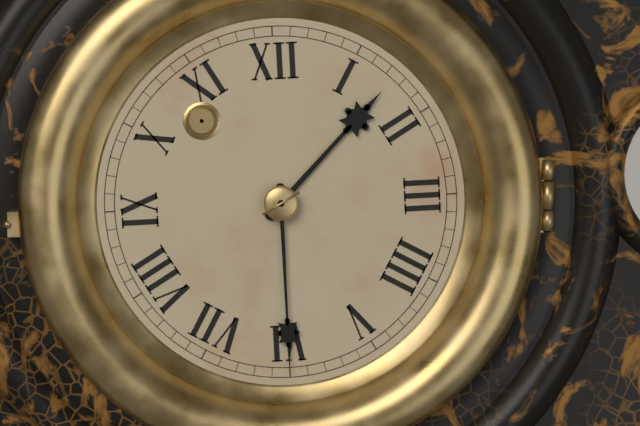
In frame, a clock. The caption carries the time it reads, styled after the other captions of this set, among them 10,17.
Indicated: 1,30
